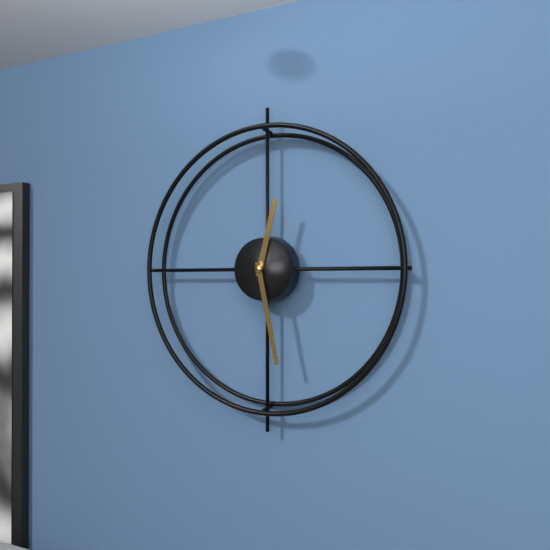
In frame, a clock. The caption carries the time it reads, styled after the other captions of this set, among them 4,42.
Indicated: 12,28
